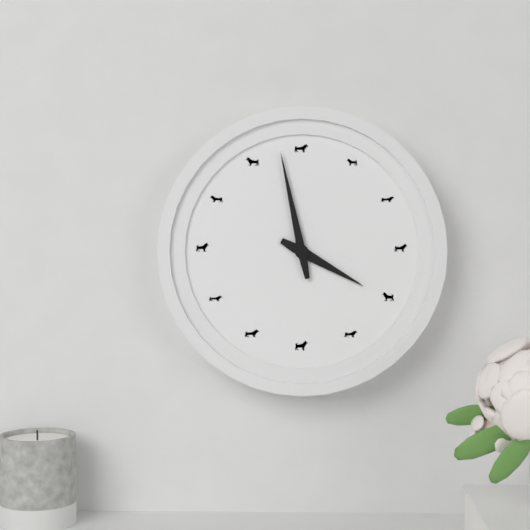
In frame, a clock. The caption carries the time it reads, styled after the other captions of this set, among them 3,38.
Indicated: 3,58
